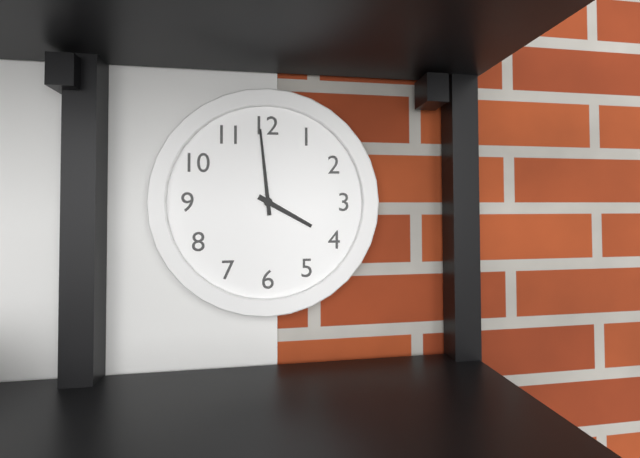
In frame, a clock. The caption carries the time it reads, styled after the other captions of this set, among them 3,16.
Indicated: 3,59
